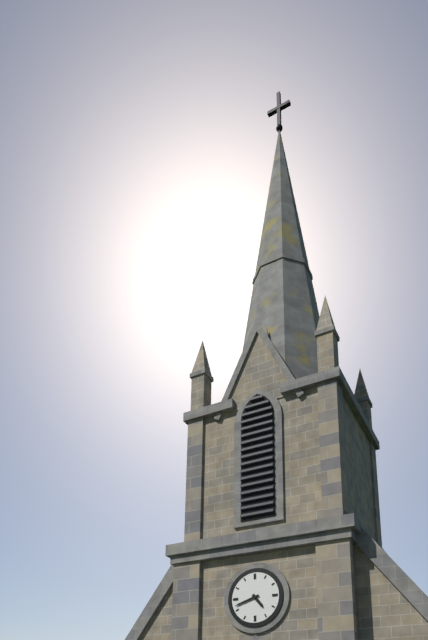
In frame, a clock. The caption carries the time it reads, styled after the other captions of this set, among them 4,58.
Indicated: 4,42
